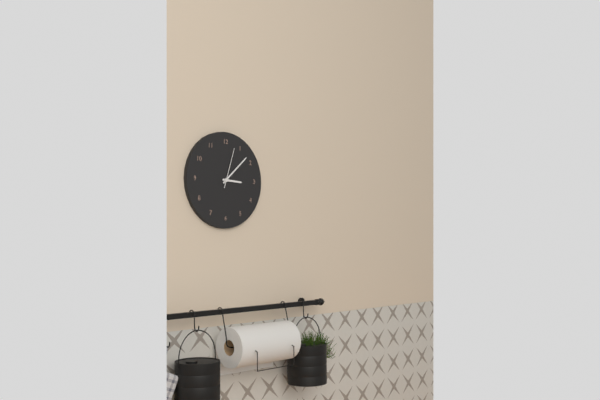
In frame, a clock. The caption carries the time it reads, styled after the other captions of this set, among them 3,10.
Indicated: 3,08
